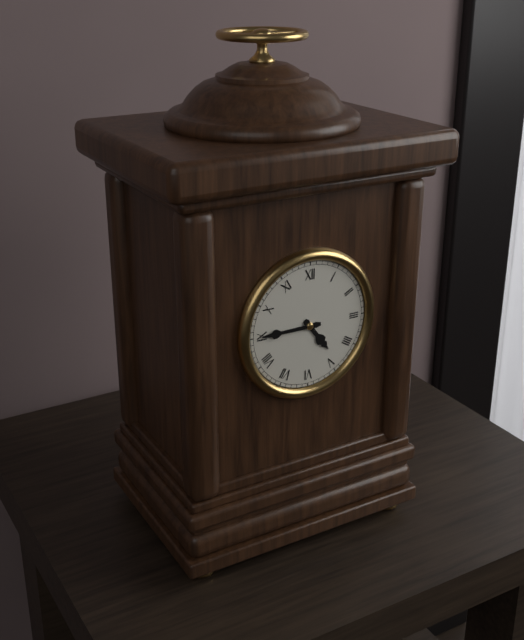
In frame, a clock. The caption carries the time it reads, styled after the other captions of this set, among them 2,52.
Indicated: 4,45
